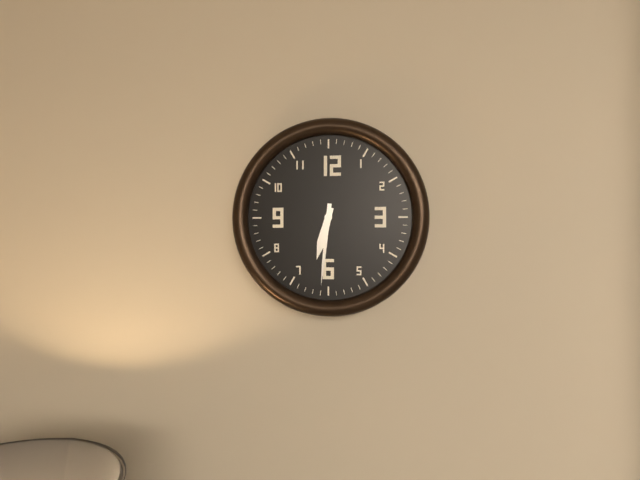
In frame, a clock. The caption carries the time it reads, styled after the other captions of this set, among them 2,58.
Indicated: 6,31
